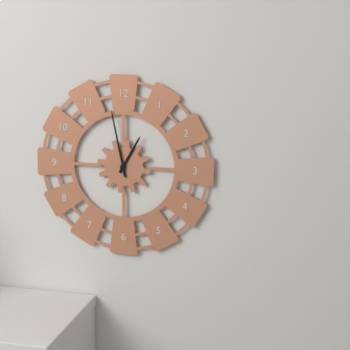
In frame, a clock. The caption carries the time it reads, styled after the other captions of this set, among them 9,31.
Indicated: 12,58
